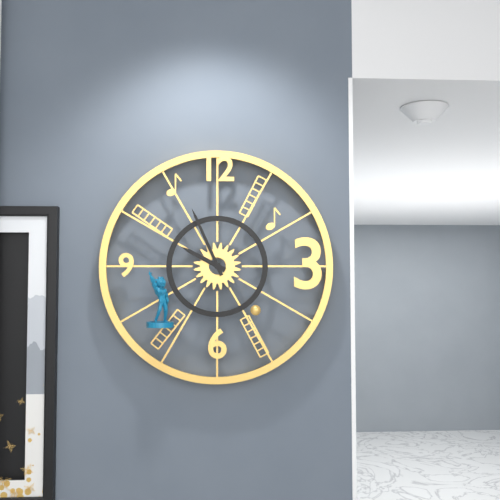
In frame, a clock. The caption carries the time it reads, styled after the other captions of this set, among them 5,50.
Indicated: 9,56
